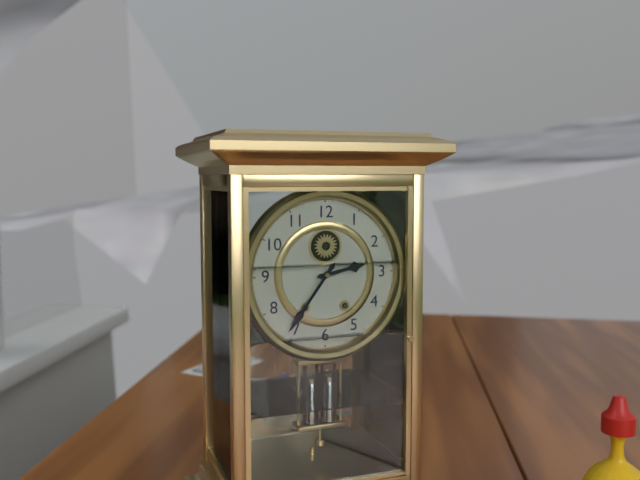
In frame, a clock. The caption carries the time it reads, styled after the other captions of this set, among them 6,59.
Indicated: 2,36
